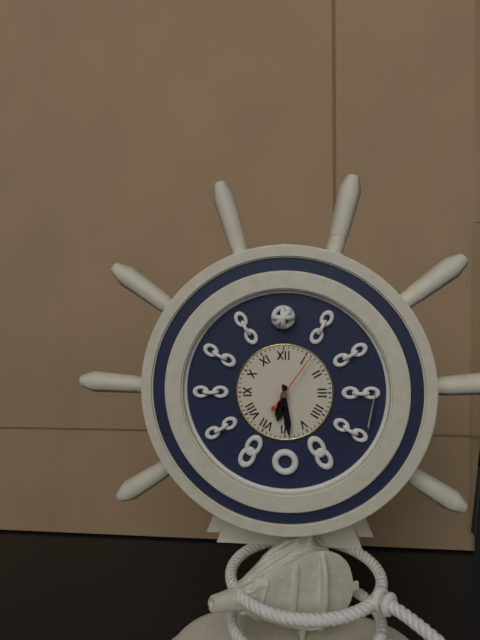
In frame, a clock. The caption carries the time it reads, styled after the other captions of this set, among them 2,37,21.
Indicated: 6,29,06
